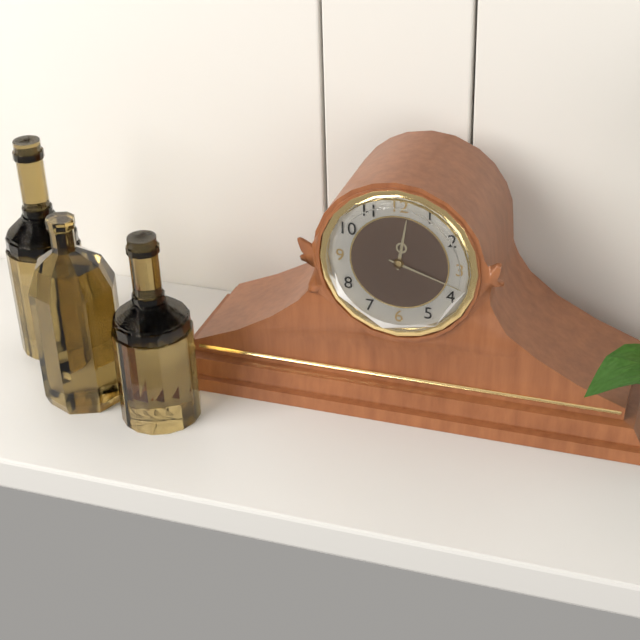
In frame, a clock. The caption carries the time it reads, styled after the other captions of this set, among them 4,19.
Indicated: 12,18
